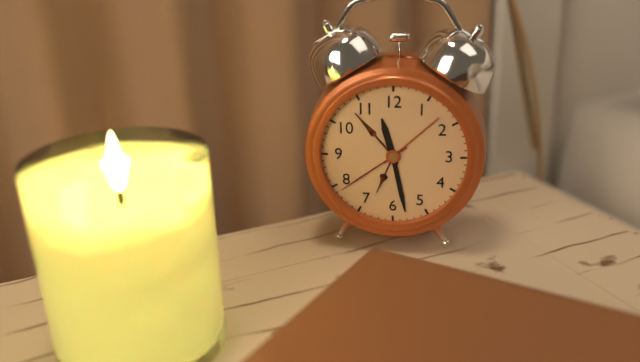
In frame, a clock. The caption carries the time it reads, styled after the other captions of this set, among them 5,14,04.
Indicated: 11,28,39
